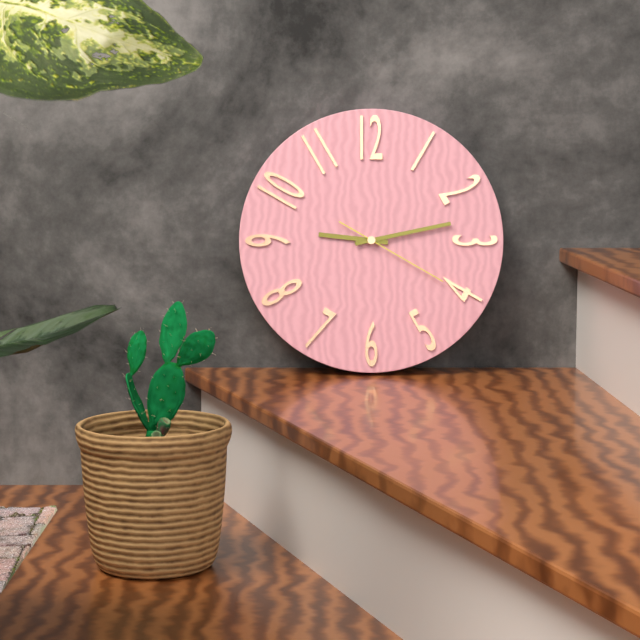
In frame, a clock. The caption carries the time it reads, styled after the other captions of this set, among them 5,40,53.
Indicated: 9,13,20
